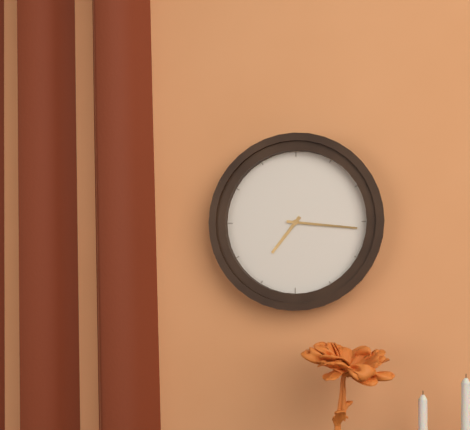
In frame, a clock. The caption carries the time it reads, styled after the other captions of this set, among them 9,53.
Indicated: 7,16
